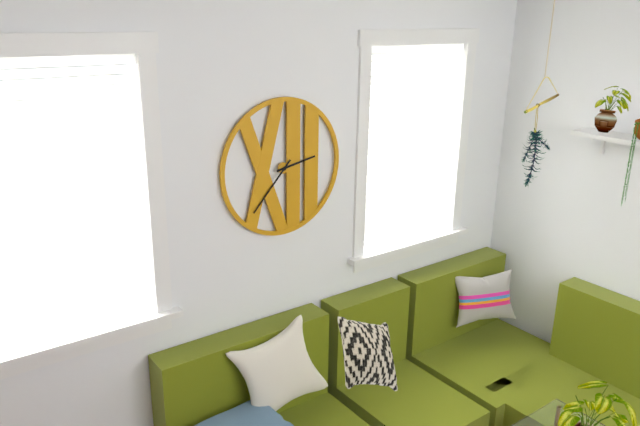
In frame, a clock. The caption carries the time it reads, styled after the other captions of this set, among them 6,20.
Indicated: 2,37
